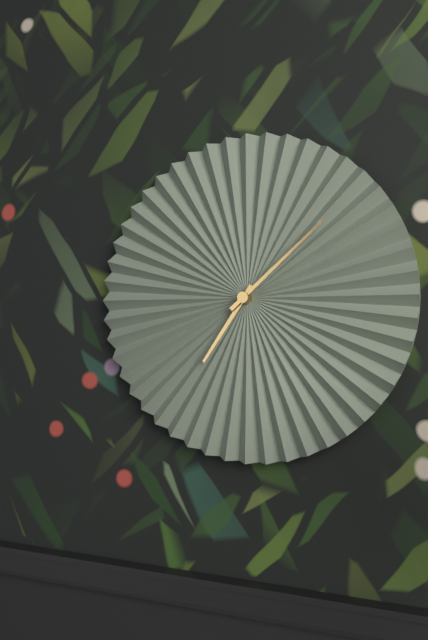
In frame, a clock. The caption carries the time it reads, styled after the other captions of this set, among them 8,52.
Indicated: 7,08
